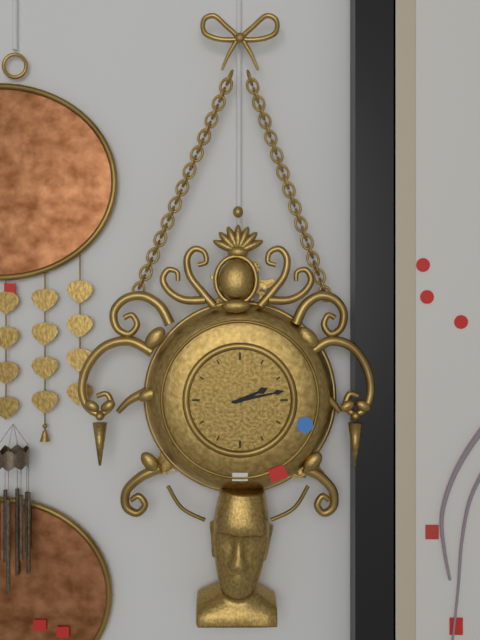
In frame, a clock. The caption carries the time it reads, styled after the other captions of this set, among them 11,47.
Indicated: 2,13
